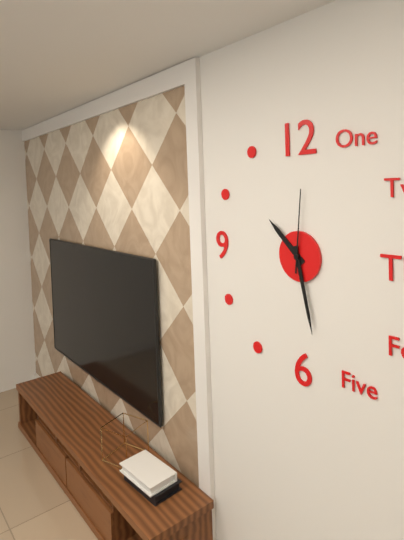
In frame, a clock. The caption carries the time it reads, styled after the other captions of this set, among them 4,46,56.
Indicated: 10,28,01
